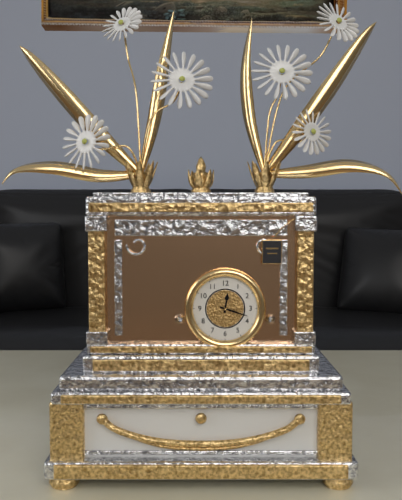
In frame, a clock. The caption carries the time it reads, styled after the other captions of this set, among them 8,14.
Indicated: 12,18
